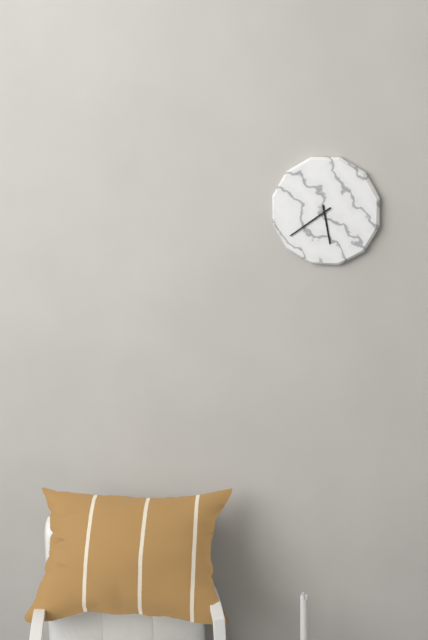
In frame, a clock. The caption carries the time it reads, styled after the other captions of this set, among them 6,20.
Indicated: 5,39
